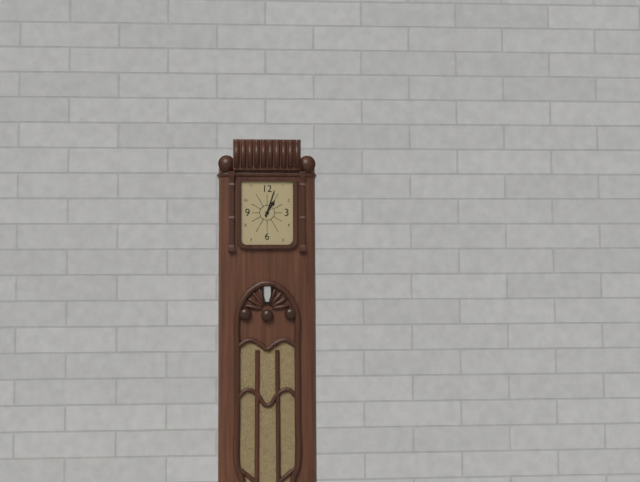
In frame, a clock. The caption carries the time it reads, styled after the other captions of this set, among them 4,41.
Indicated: 1,03
